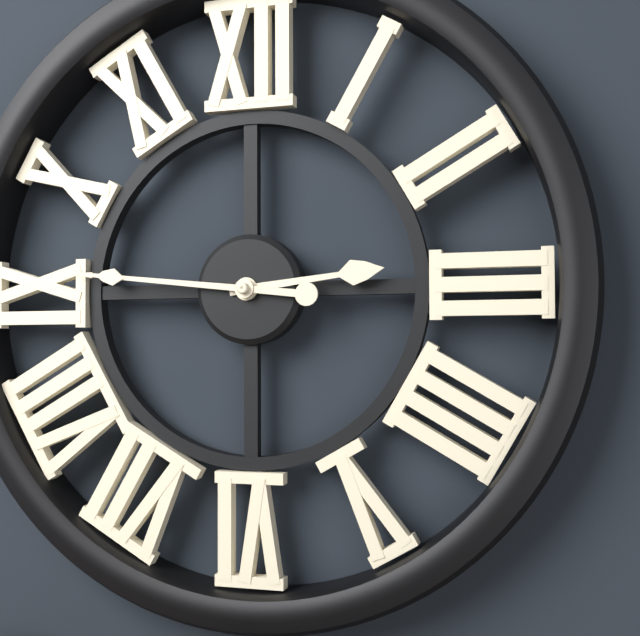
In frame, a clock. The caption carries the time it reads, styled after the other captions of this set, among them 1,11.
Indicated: 2,46
